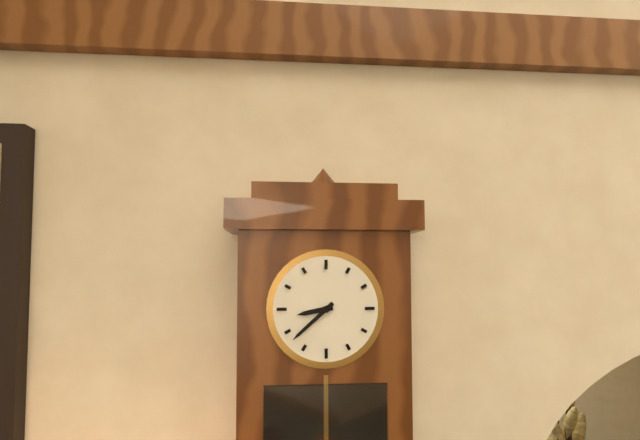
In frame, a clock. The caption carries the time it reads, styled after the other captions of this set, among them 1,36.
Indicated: 8,38
